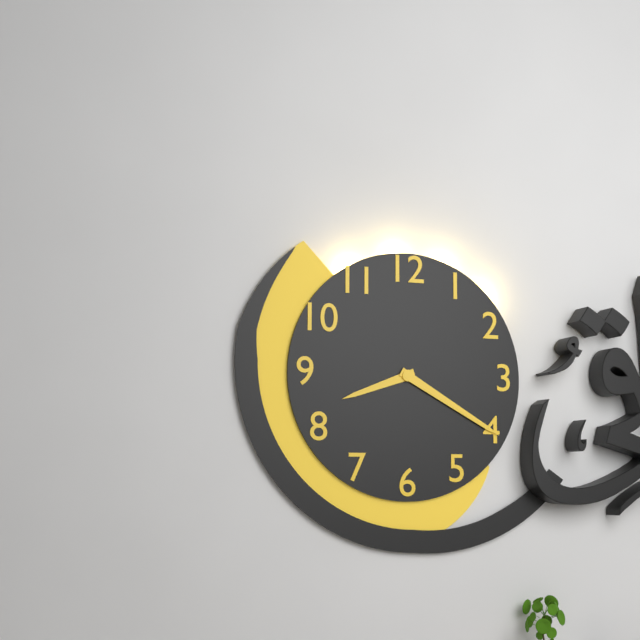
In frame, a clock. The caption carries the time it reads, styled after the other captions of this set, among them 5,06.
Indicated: 8,20
